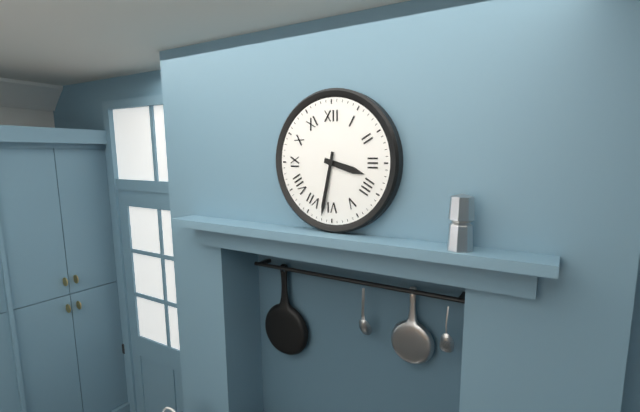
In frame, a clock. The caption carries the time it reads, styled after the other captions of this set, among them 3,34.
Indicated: 3,32
